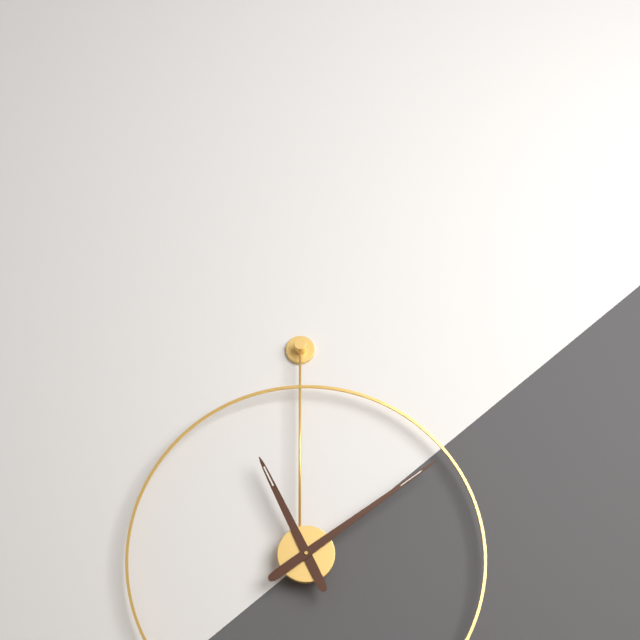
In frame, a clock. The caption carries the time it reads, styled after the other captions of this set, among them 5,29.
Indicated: 11,09
